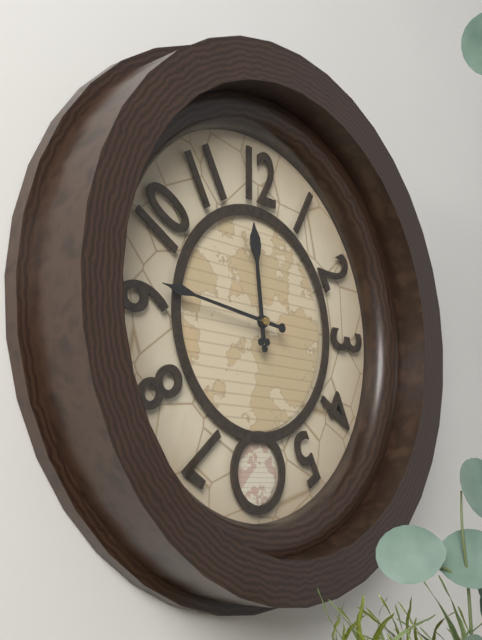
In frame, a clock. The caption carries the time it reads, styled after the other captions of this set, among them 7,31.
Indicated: 11,46
